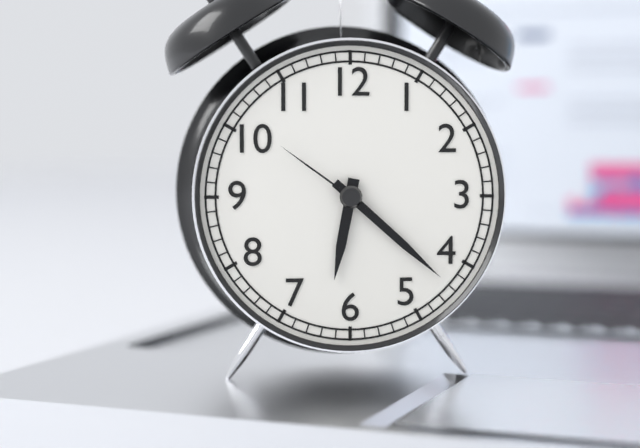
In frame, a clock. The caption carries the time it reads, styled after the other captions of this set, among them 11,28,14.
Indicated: 6,22,51
